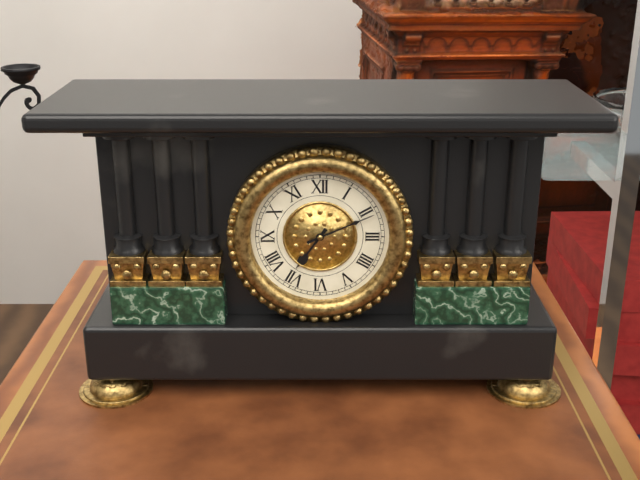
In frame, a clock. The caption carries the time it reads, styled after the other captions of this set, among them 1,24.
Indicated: 7,11
